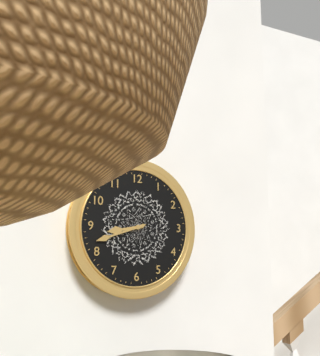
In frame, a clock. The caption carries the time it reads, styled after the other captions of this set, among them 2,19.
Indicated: 8,42
